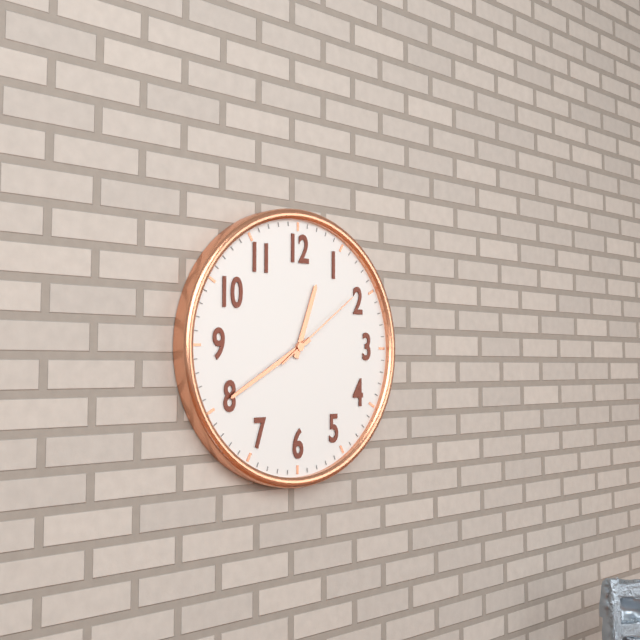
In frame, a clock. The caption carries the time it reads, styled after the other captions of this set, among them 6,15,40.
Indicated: 12,40,09
